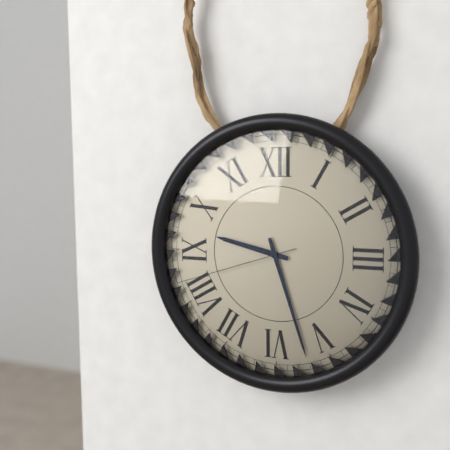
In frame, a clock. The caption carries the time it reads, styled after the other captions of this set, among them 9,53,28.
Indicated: 9,27,42
